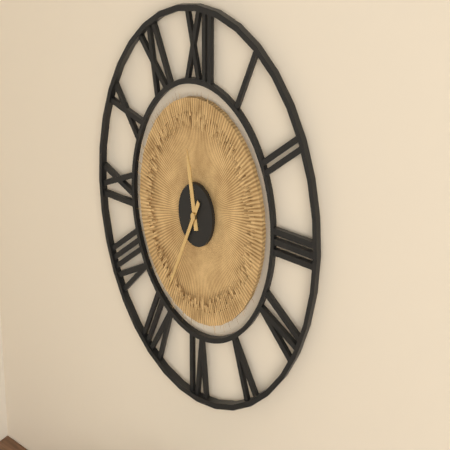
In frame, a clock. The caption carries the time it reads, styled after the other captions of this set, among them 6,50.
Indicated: 11,35
